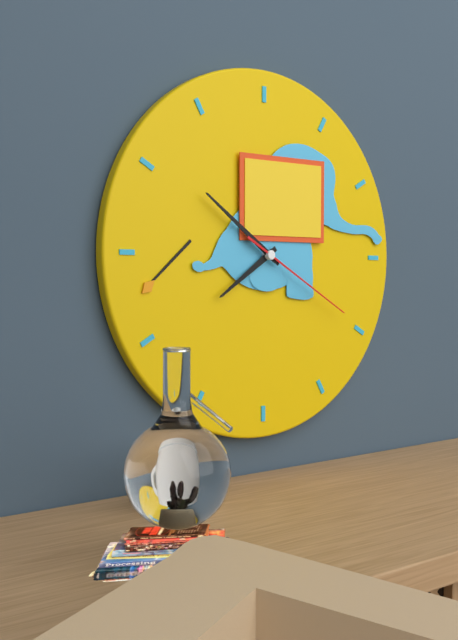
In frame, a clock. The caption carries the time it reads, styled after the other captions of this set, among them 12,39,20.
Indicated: 7,51,20
